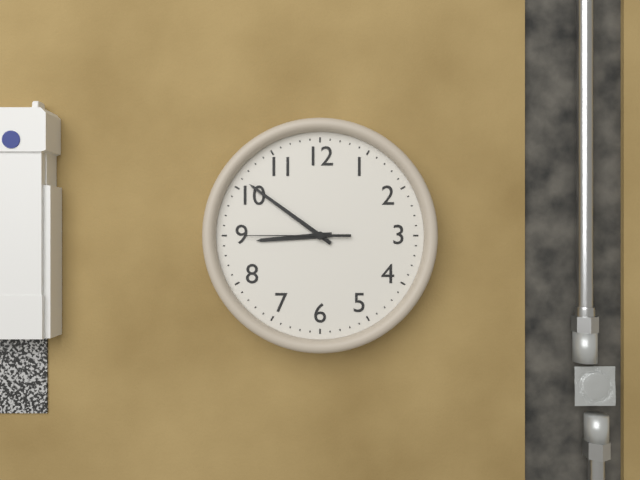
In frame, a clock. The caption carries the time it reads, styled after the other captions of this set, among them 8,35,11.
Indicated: 8,51,45
